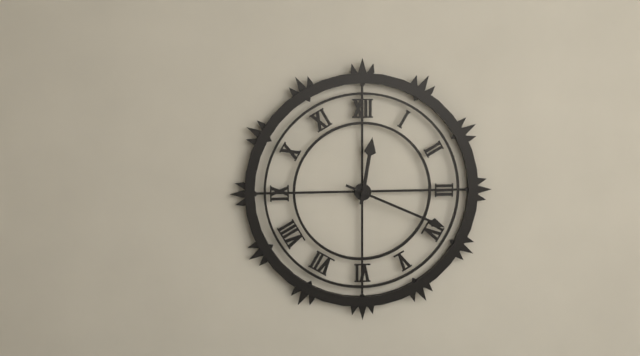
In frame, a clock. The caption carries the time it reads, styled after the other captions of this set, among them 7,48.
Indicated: 12,19
